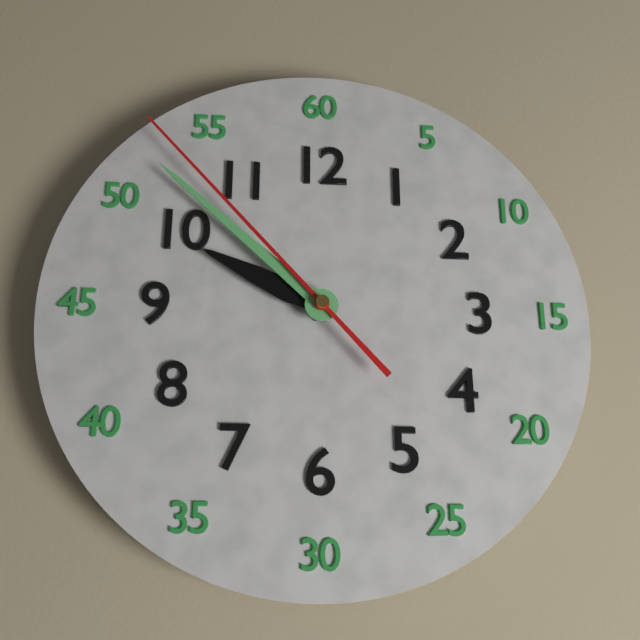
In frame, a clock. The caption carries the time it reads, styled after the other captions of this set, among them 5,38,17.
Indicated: 9,52,53
